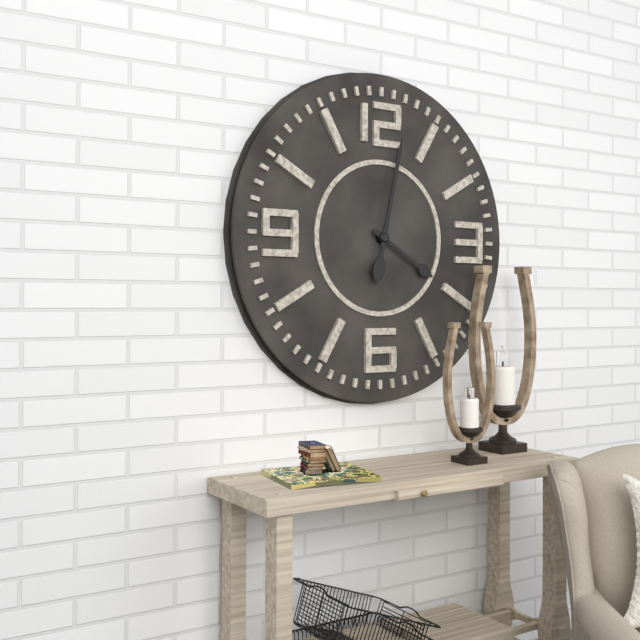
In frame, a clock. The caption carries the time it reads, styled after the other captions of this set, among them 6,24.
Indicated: 4,02
